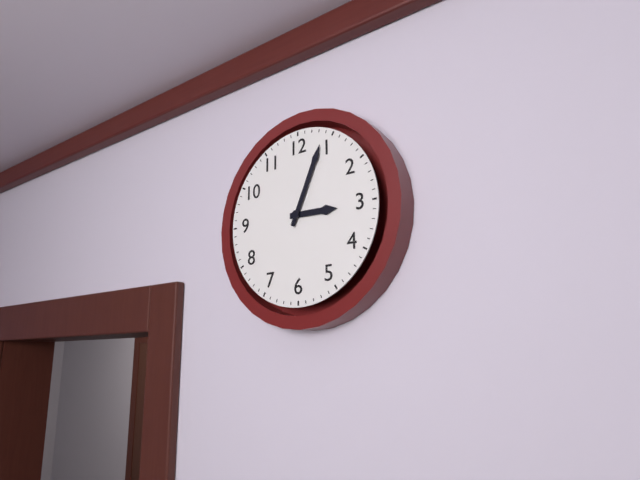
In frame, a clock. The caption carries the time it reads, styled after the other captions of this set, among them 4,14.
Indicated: 3,04
